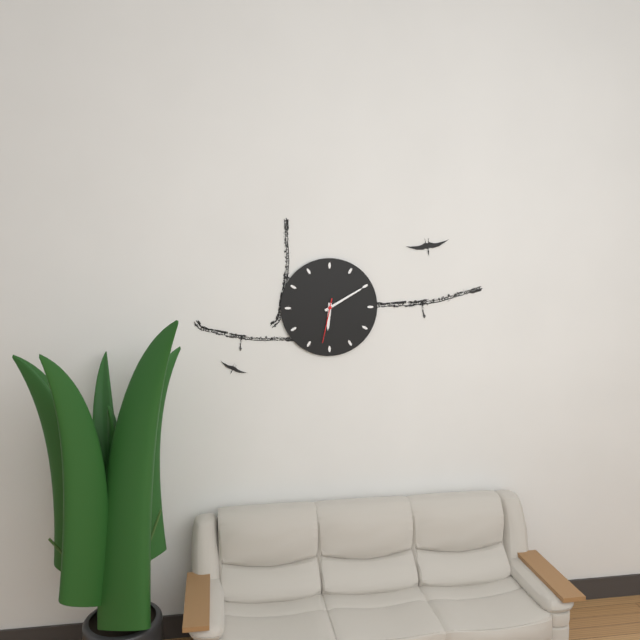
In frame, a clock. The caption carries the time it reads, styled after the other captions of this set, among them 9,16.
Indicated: 6,10
